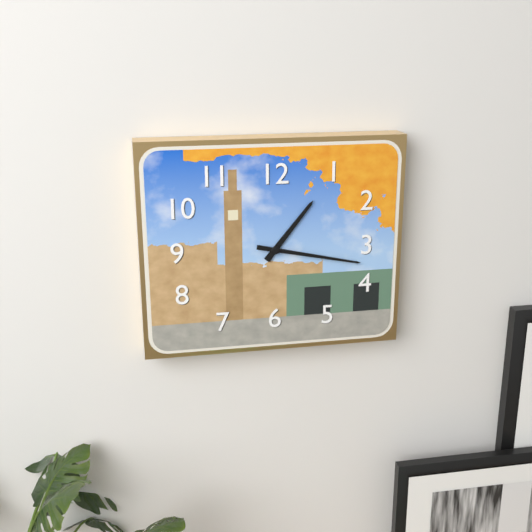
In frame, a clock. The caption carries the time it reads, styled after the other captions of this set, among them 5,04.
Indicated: 1,17
